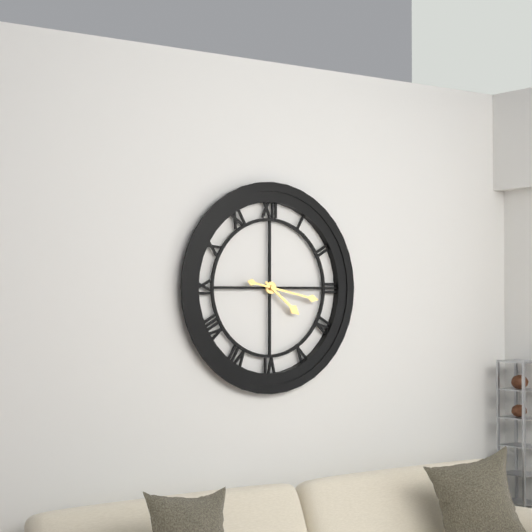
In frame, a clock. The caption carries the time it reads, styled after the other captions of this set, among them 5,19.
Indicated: 4,17
